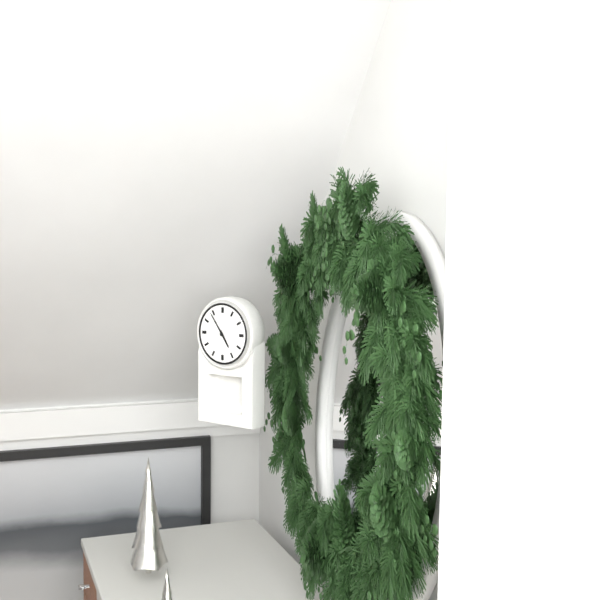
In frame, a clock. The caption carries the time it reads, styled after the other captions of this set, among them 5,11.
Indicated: 4,54
